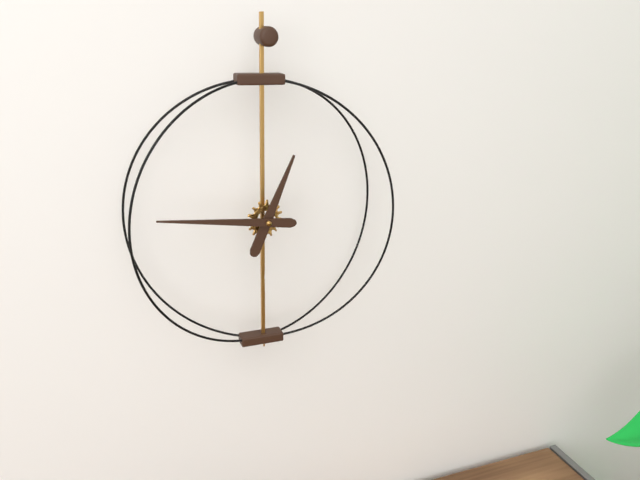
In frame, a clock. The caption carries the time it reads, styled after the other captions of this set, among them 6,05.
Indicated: 12,46
